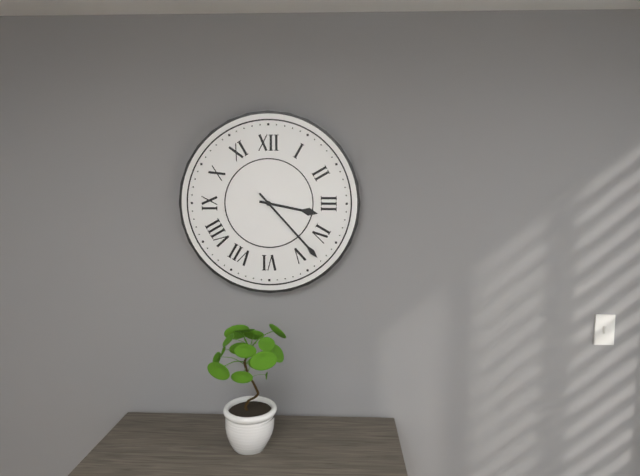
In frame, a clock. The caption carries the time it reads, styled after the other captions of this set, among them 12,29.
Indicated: 3,23
